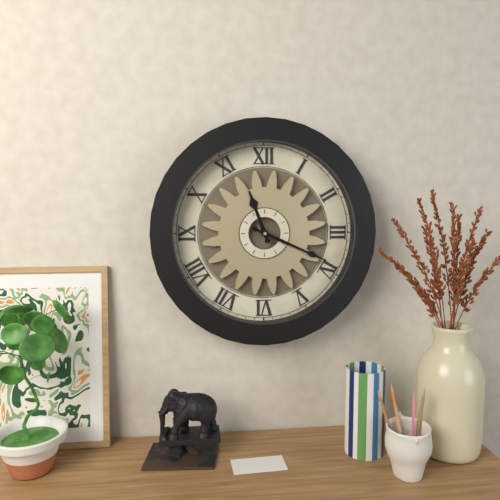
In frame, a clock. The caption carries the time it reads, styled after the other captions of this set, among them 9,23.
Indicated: 11,19
